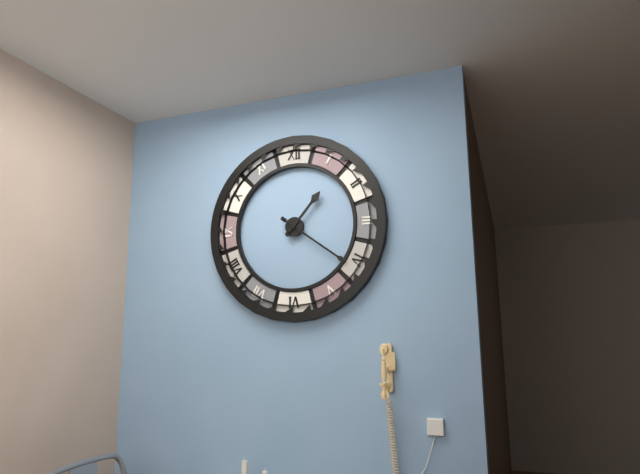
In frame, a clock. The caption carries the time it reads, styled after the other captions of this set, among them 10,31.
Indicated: 1,21
